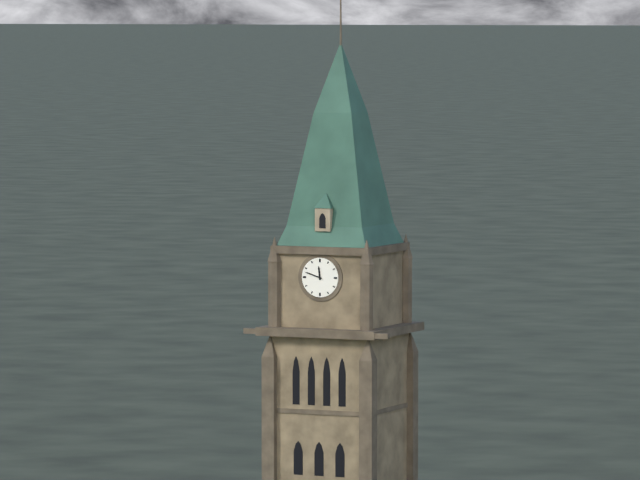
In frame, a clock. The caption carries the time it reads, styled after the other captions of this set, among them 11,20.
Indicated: 11,48
